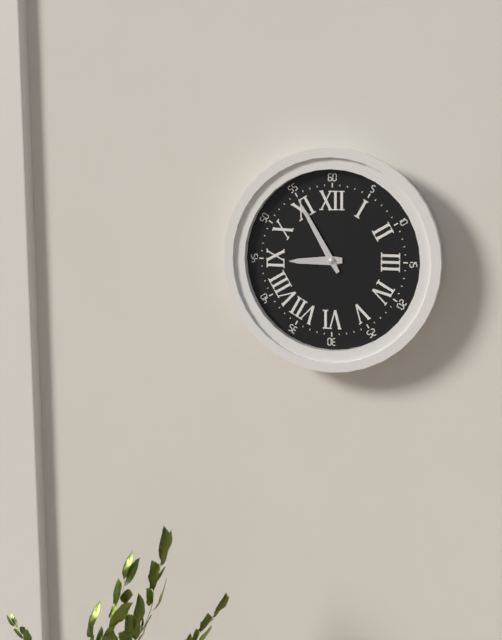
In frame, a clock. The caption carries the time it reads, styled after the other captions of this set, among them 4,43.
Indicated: 8,55
